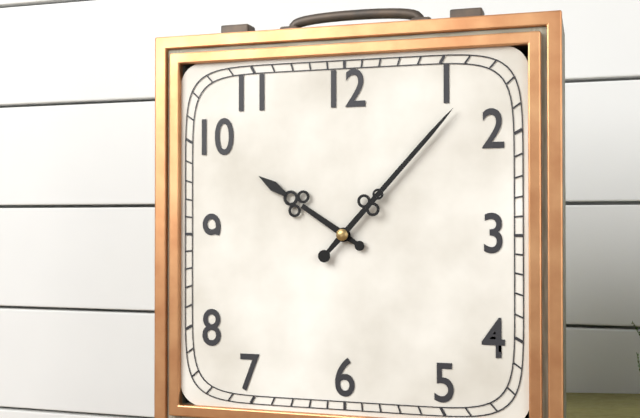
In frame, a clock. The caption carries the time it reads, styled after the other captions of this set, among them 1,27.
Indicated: 10,07
